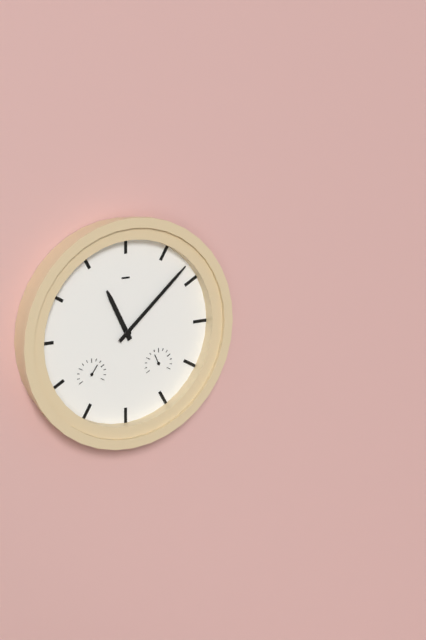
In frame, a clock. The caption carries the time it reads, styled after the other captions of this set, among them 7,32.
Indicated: 11,08
